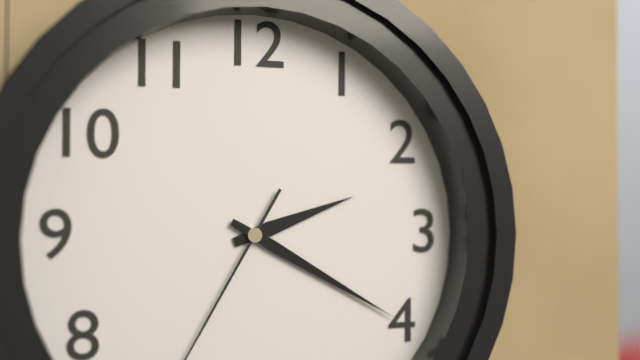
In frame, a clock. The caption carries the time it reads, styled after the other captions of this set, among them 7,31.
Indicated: 2,20
